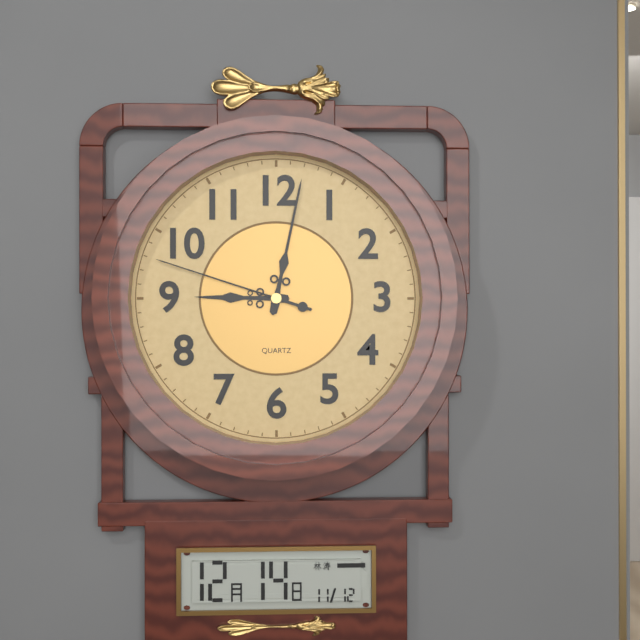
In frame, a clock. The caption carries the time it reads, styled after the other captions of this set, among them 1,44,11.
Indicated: 9,02,48
